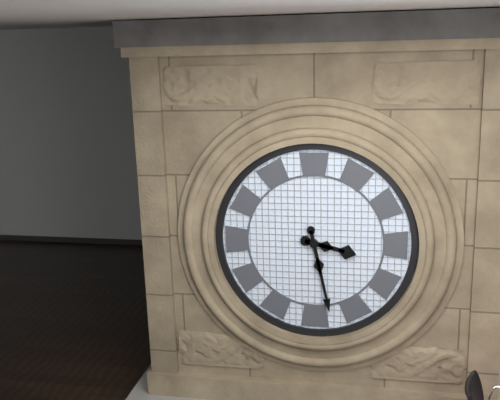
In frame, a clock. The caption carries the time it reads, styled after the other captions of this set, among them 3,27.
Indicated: 3,28
